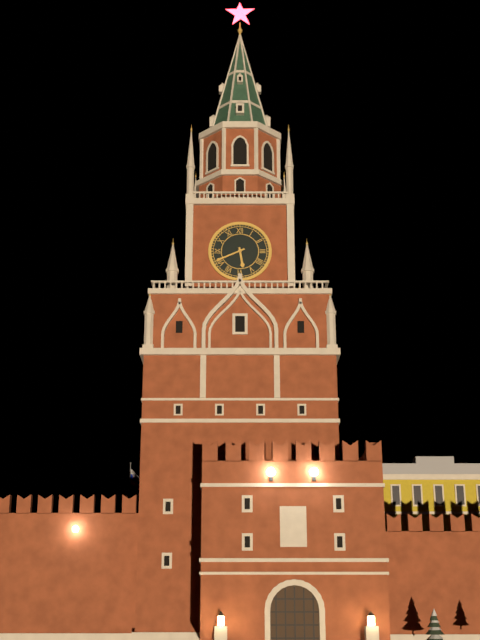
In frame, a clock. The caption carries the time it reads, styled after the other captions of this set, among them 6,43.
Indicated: 5,41
